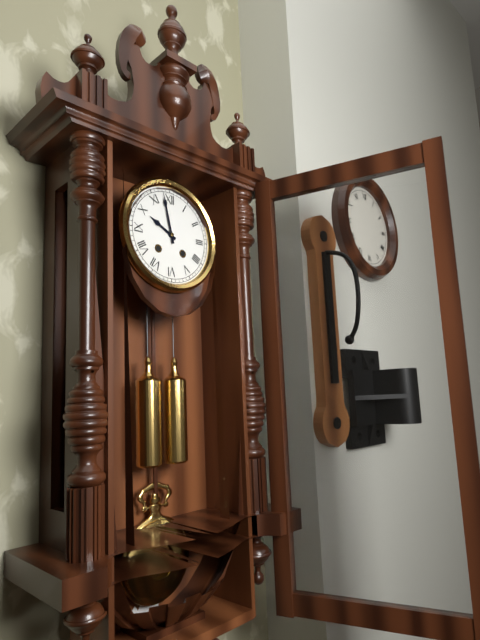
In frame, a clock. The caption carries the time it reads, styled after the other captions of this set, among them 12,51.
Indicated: 9,58
